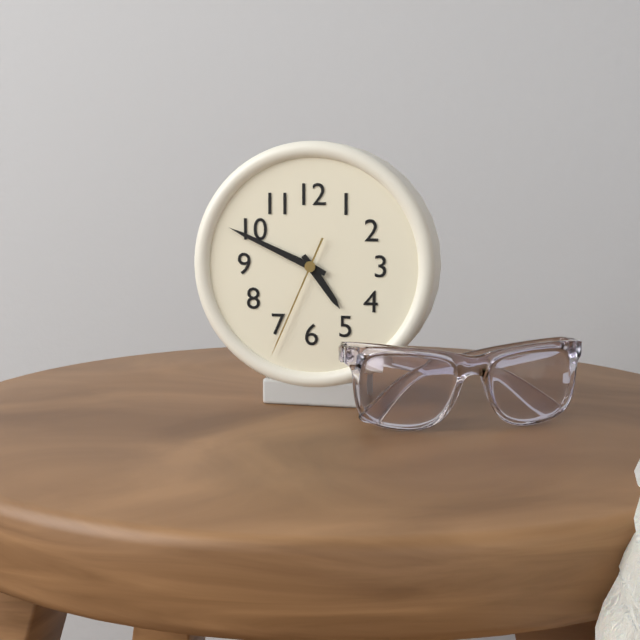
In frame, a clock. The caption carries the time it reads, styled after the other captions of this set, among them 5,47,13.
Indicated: 4,49,34
